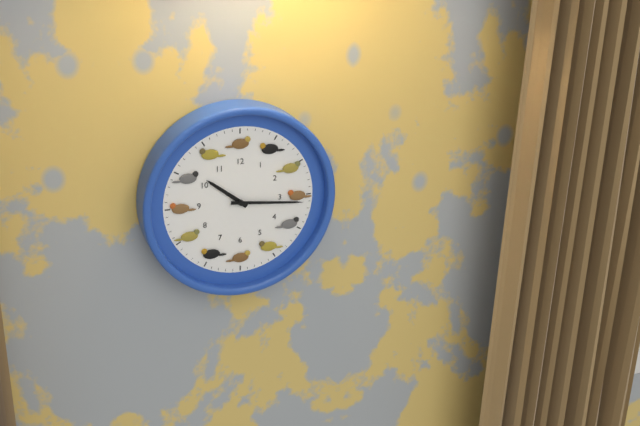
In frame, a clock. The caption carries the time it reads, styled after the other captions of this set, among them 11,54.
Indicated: 10,16
